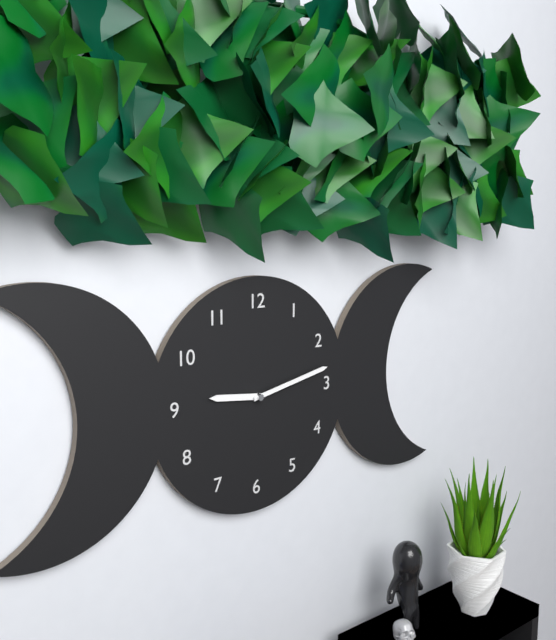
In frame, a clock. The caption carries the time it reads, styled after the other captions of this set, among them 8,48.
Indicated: 9,13
